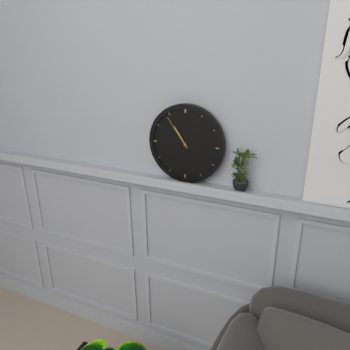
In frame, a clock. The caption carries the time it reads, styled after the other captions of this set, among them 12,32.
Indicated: 10,54
